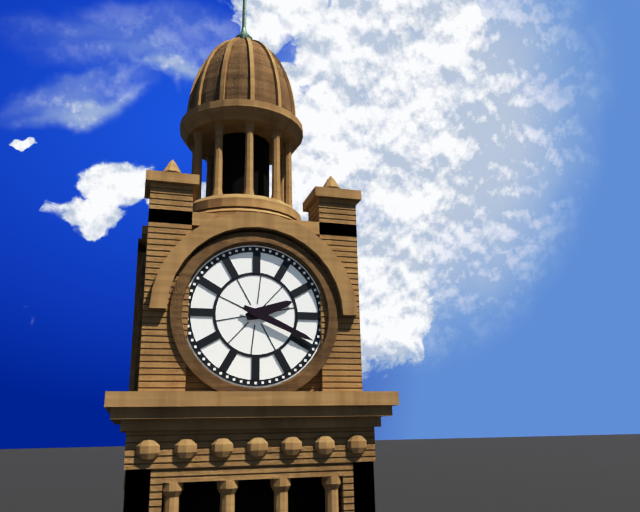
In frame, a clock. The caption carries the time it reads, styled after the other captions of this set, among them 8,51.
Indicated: 2,19
